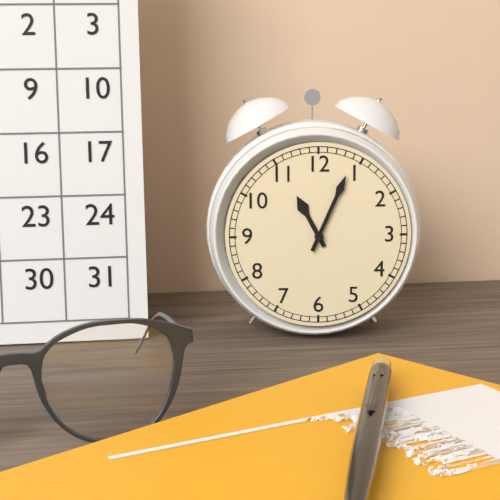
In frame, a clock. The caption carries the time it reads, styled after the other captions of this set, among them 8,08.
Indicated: 11,04
